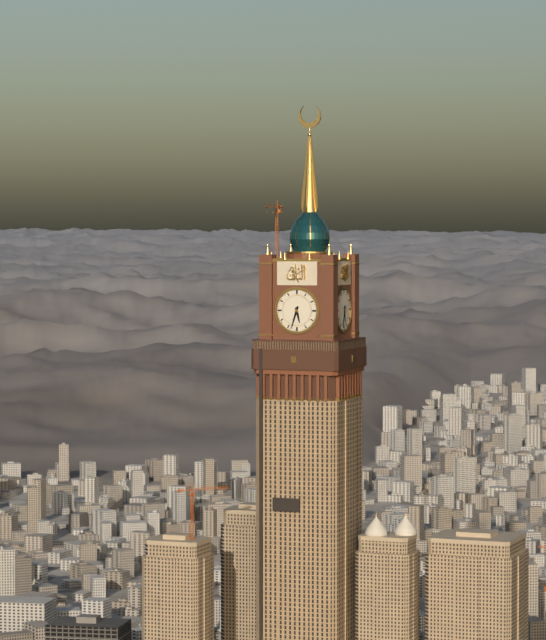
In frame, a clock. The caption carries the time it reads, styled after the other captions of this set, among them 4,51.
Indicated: 5,33
